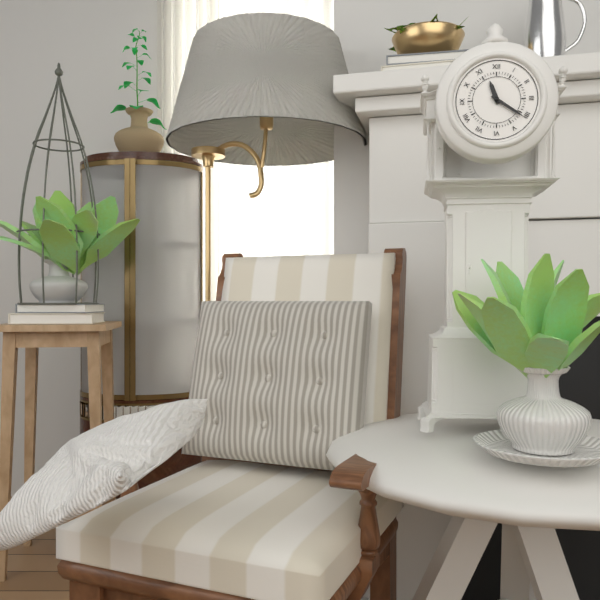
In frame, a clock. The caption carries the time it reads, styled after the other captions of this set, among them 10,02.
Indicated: 11,21
